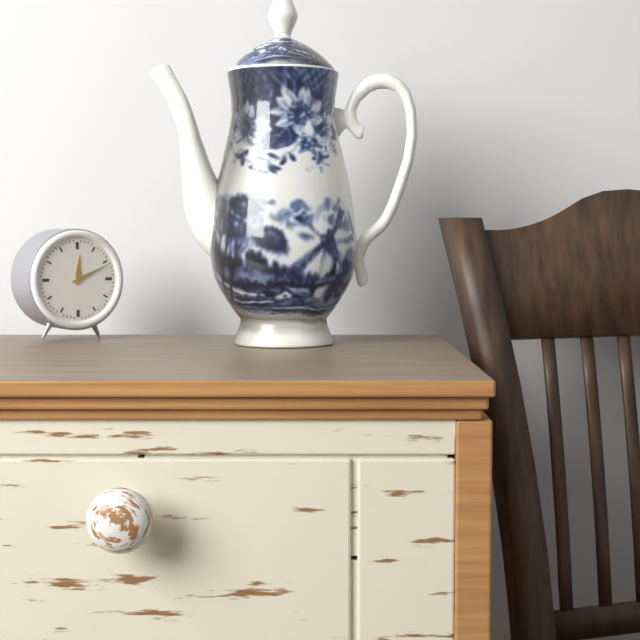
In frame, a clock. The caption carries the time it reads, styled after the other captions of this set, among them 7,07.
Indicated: 12,11
